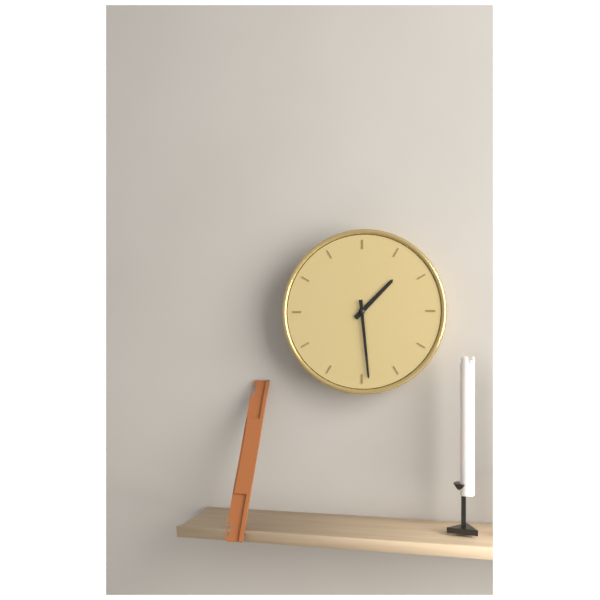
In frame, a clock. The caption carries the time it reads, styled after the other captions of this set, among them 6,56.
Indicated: 1,29
